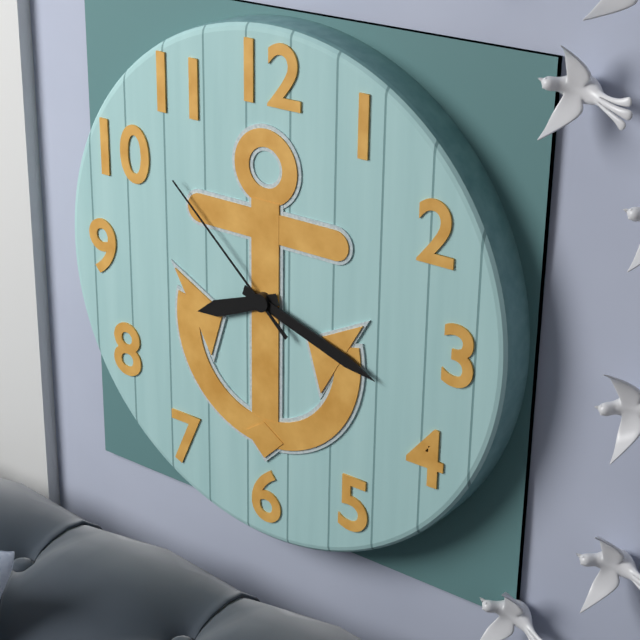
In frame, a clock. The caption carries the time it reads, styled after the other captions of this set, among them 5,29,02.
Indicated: 8,18,52
